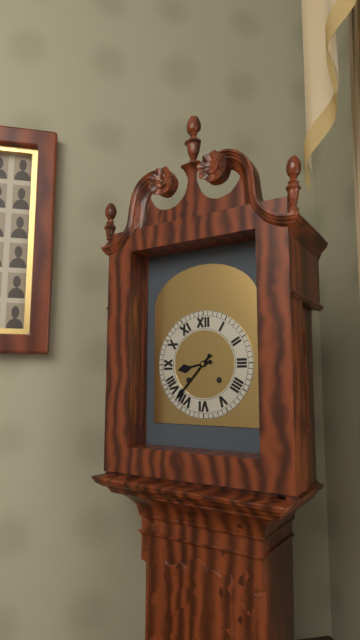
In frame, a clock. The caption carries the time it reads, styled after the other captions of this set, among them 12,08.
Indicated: 8,37
